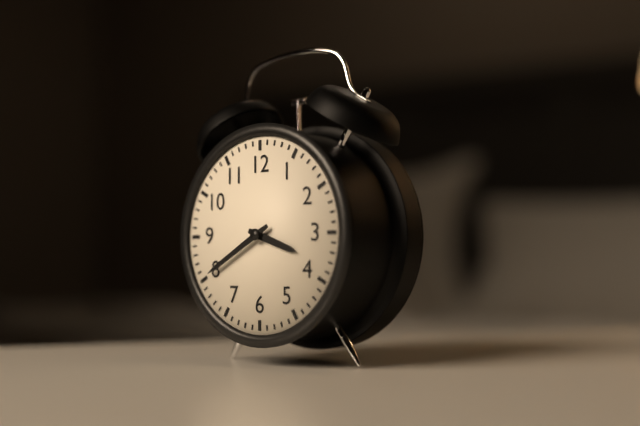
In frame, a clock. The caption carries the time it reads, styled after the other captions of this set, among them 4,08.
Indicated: 3,40
